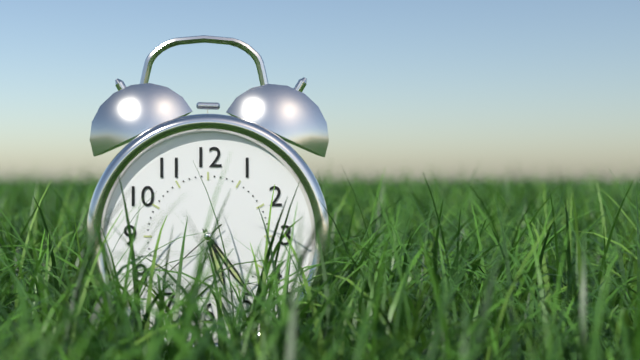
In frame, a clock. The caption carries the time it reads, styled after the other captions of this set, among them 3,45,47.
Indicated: 5,24,38
